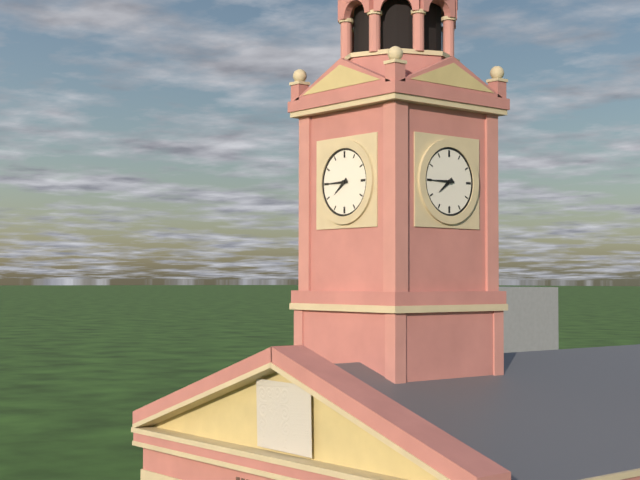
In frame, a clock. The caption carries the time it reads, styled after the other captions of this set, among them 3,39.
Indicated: 7,45
